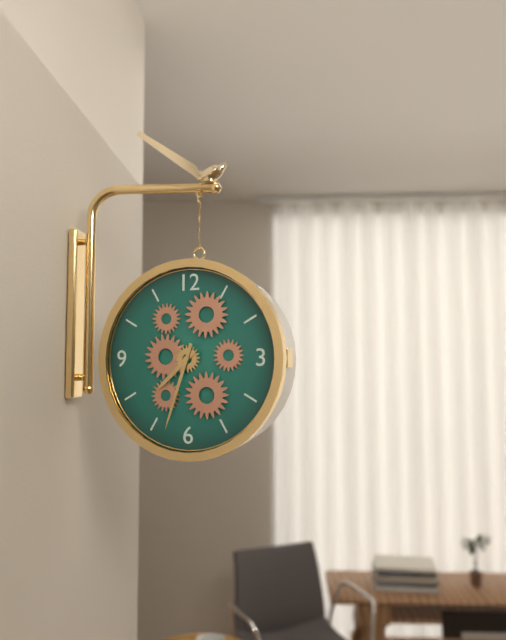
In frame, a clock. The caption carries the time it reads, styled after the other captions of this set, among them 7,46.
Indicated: 7,33
